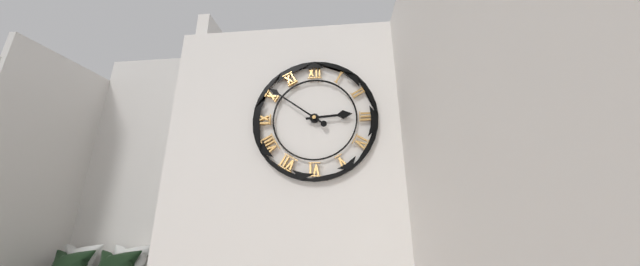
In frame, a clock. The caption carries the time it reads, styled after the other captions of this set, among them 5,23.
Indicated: 2,51
